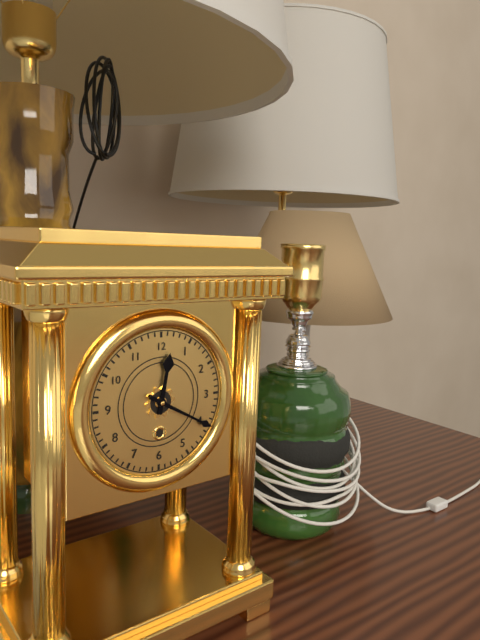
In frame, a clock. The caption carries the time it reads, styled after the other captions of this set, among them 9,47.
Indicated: 12,20
